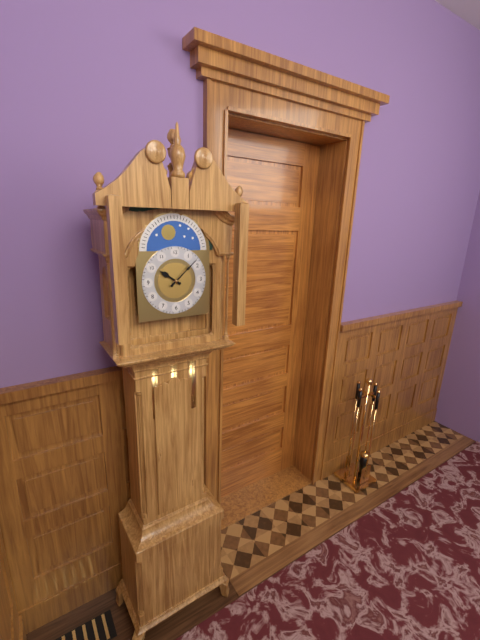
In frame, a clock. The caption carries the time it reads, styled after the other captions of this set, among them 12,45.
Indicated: 10,08
